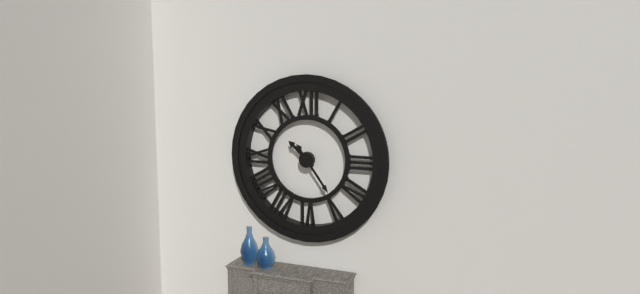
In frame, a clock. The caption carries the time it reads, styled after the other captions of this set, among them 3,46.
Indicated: 10,24
